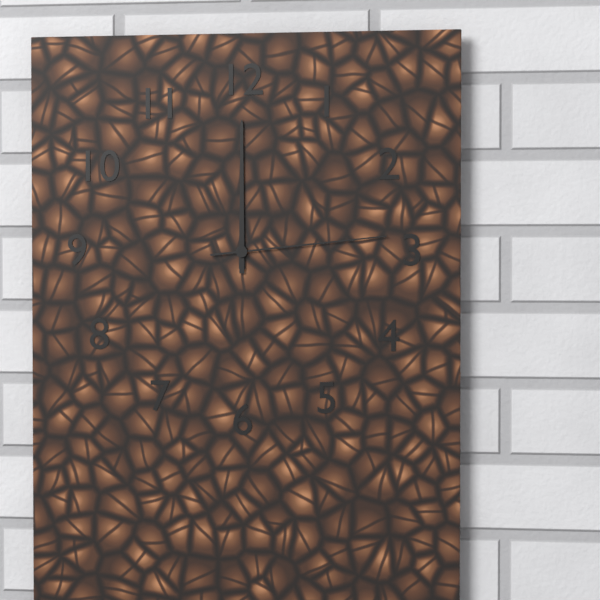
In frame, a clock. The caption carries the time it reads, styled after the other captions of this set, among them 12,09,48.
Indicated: 12,00,14
